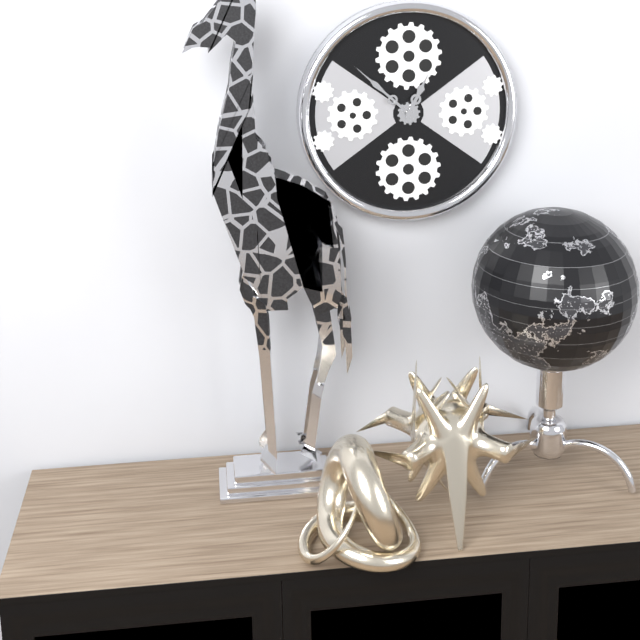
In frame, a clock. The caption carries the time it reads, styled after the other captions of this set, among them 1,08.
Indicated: 12,52
